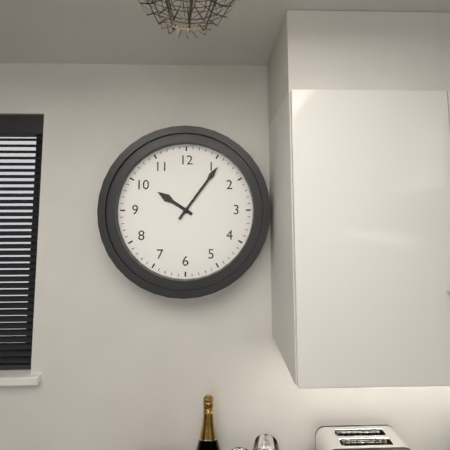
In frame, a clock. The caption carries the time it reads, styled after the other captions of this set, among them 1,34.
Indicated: 10,06
